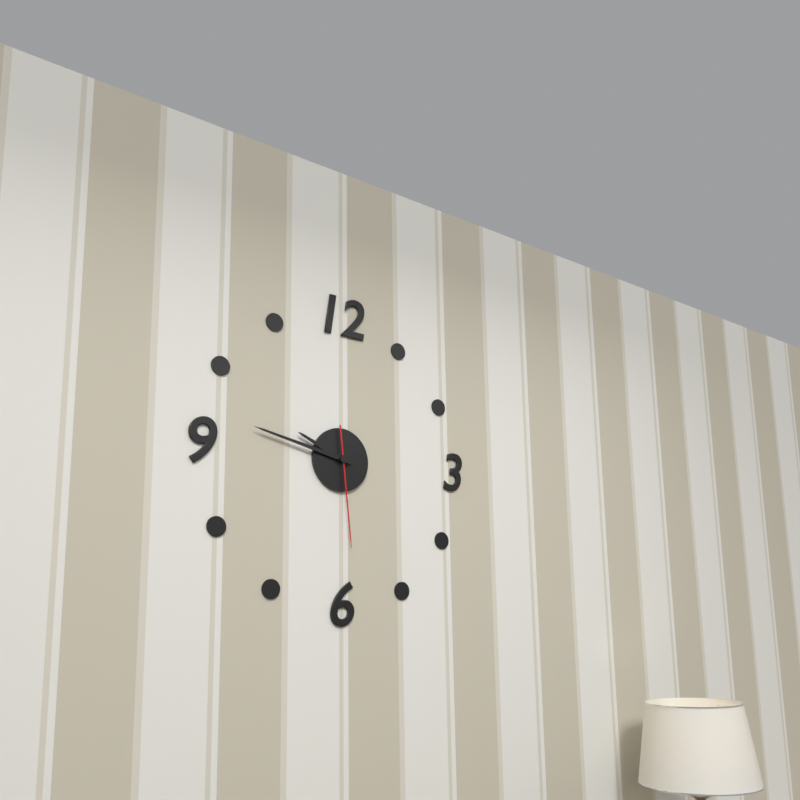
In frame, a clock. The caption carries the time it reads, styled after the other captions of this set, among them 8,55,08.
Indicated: 9,47,29
